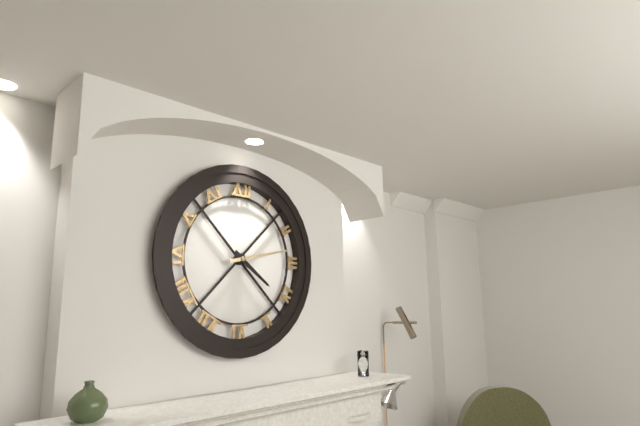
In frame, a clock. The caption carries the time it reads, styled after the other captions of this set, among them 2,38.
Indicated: 4,13
